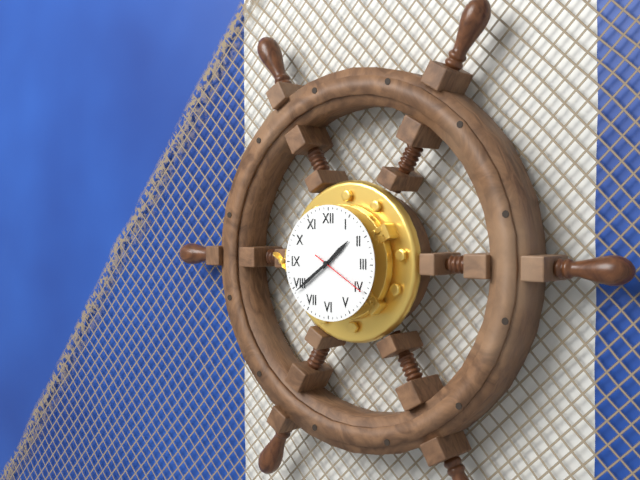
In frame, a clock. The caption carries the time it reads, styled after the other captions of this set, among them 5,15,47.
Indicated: 1,39,20
